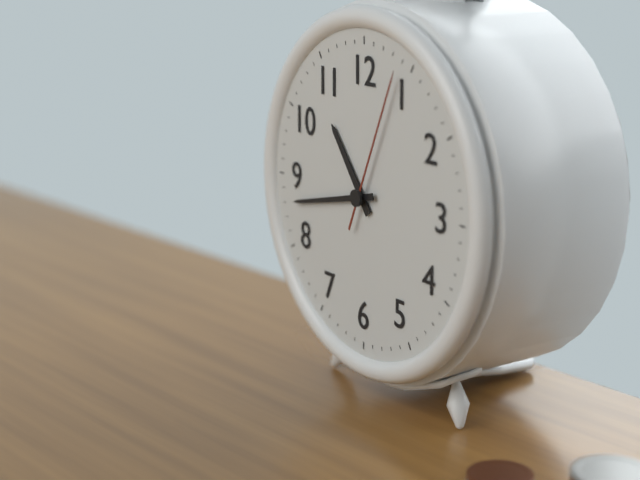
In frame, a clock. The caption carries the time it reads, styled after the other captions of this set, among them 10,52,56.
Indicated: 10,43,04
